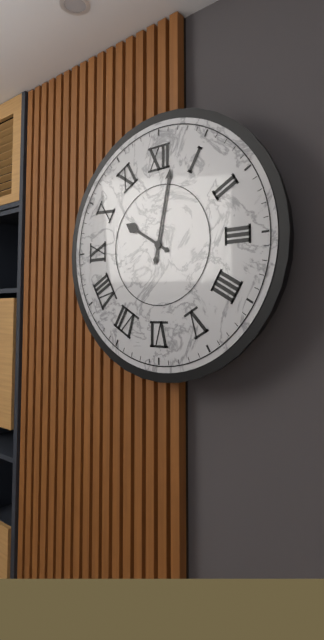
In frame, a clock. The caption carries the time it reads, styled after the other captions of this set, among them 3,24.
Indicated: 10,02
